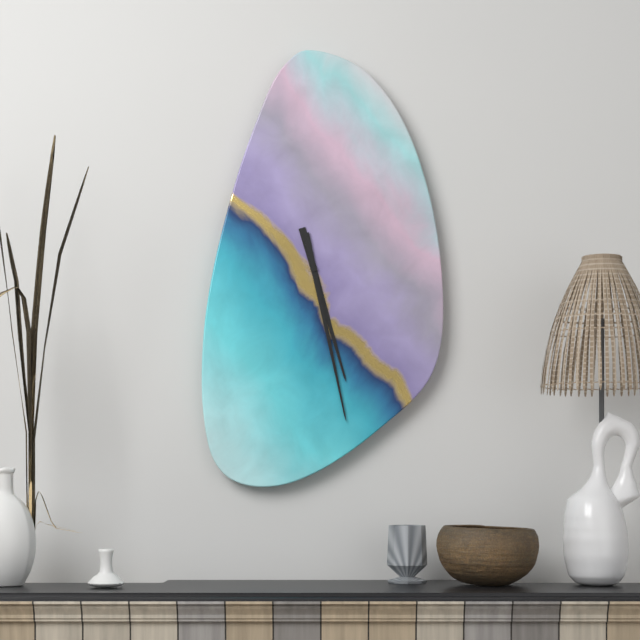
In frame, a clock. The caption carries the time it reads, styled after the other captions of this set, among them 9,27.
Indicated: 5,28
